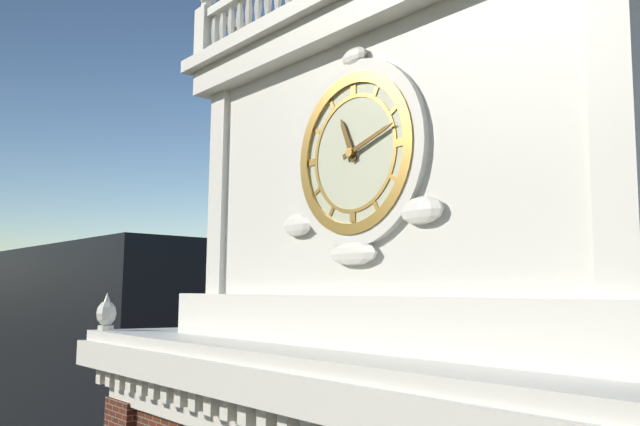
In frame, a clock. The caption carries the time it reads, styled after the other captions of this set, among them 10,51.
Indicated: 11,12
